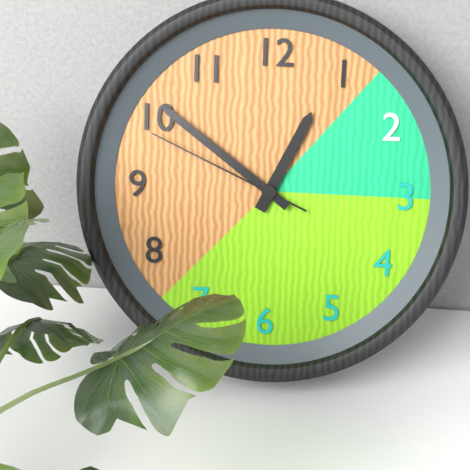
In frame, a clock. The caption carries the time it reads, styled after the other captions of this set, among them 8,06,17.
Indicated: 12,51,49
